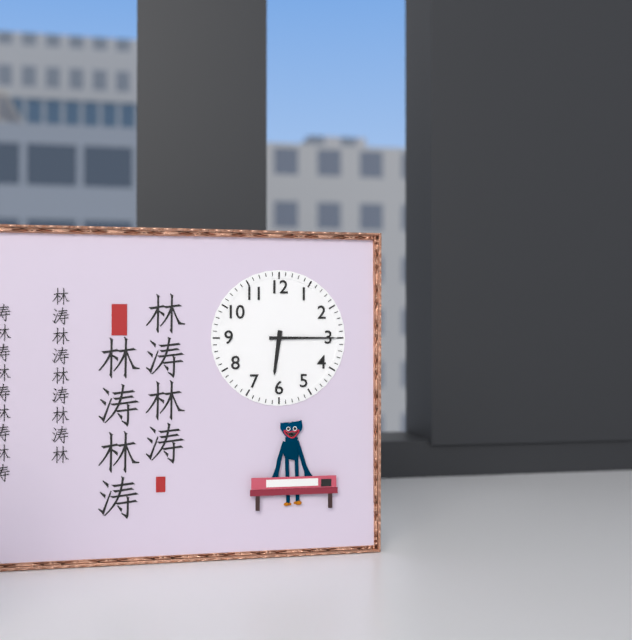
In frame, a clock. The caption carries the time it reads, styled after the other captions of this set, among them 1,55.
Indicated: 6,15
